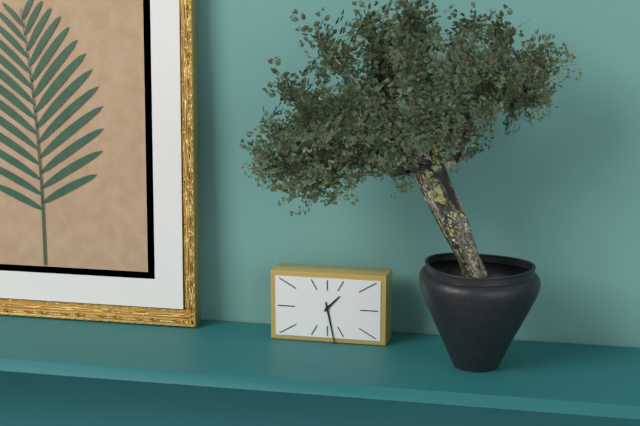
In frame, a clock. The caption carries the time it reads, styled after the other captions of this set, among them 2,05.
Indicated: 1,28
